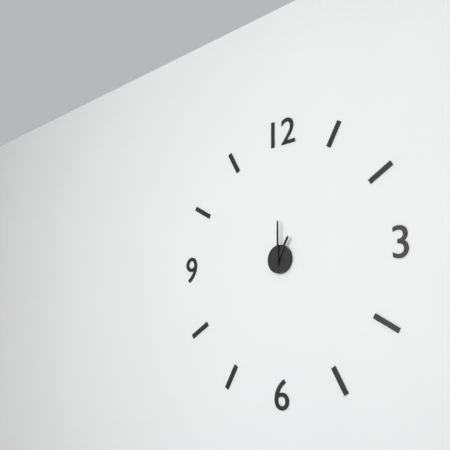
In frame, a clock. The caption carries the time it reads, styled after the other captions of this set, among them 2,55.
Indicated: 1,00
